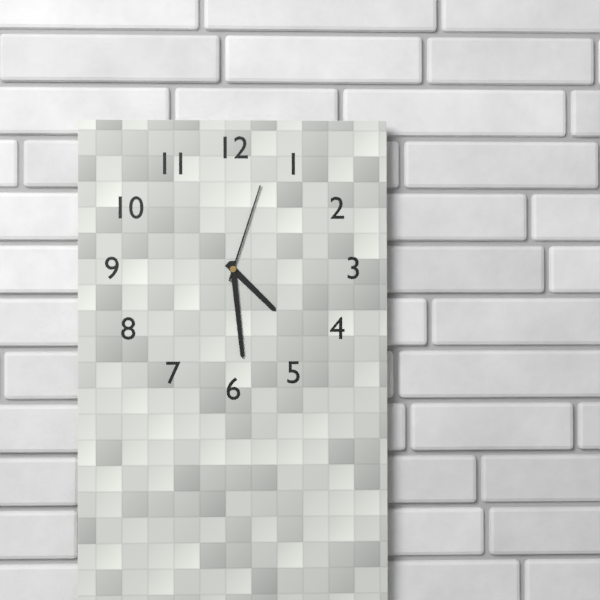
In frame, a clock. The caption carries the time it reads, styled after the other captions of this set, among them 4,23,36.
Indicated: 4,29,03
